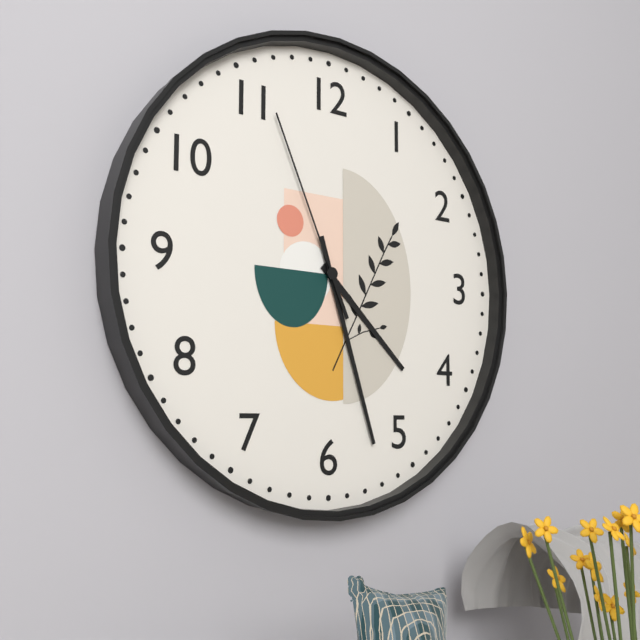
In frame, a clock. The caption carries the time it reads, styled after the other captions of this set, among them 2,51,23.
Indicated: 4,27,56
